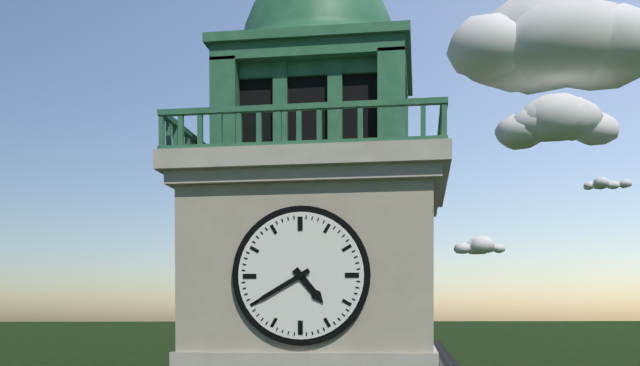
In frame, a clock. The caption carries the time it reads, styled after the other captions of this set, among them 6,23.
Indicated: 4,40
